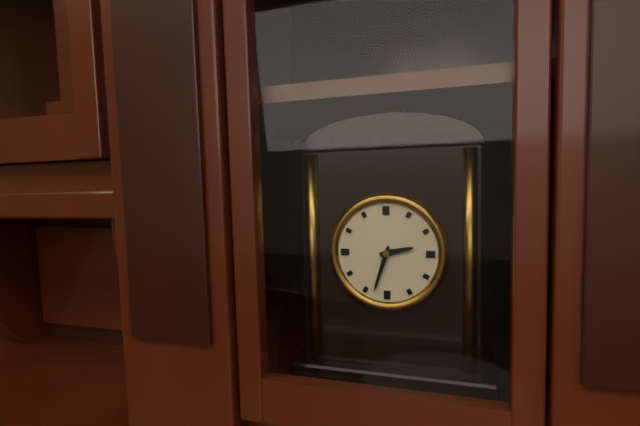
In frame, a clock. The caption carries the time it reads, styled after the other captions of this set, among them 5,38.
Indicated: 2,33
